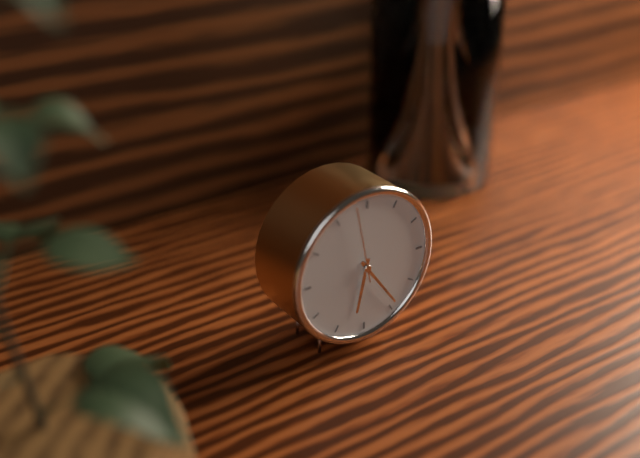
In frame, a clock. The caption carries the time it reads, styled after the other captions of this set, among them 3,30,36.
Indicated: 6,24,58
